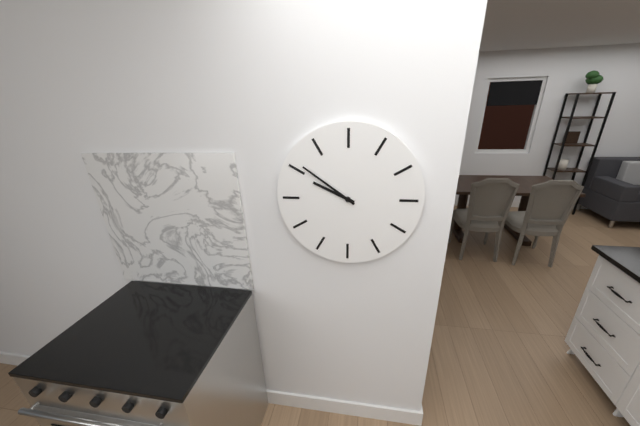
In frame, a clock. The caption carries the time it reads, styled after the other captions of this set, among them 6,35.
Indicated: 9,51
